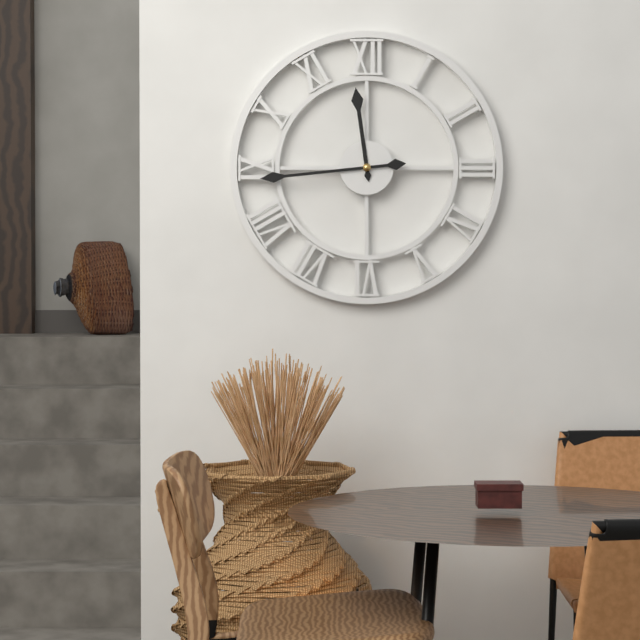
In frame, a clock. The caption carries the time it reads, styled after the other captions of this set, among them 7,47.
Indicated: 11,44
